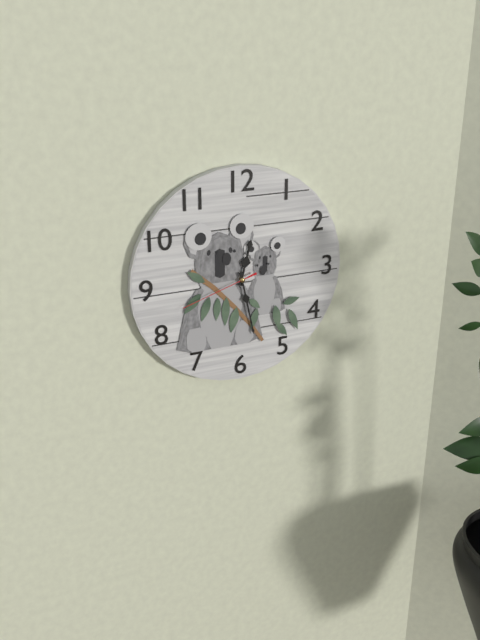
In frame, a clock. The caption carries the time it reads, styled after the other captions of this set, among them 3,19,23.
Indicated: 12,28,42
